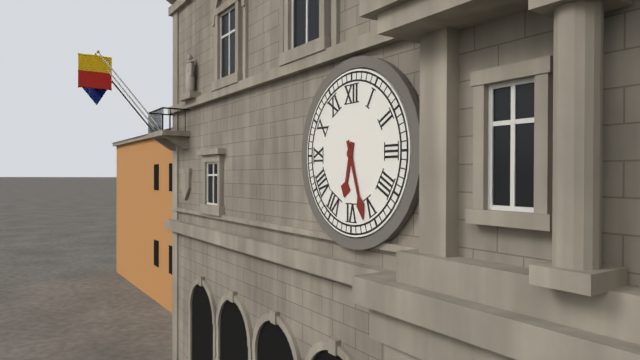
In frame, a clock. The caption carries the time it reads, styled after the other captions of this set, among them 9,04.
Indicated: 6,27
